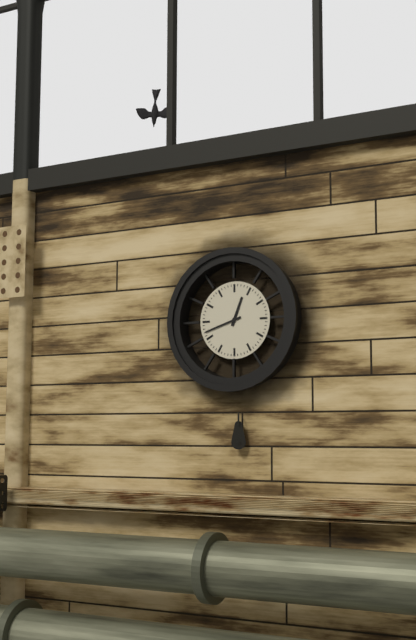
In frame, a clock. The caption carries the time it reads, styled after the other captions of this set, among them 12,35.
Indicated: 12,42
